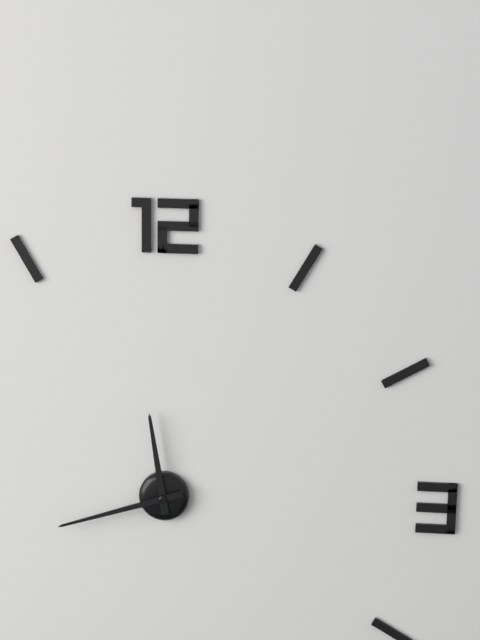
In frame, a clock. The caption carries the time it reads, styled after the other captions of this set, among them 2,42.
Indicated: 11,42
